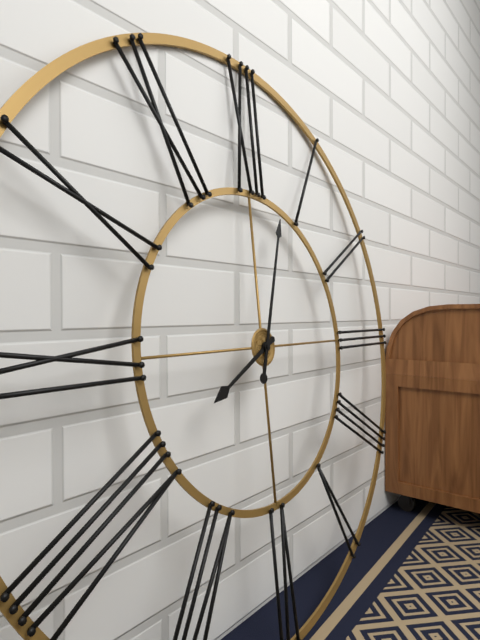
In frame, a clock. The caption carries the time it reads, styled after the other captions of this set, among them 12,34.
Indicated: 8,03
